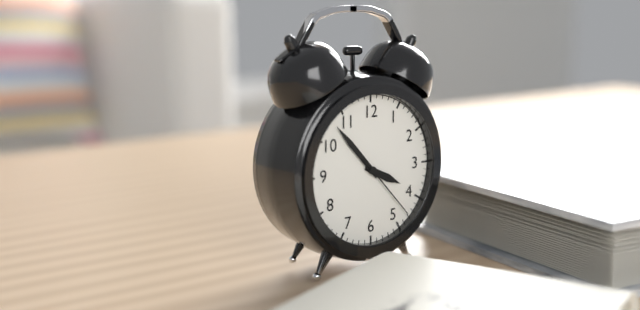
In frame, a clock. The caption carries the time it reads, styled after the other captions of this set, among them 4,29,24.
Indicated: 3,53,23
